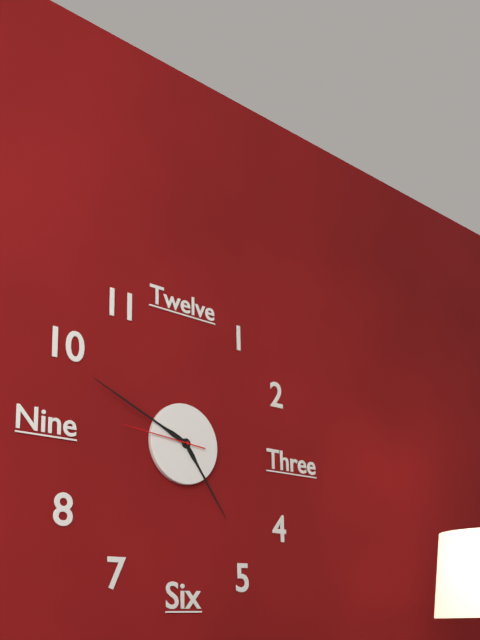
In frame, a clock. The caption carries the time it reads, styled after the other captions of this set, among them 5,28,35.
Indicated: 4,49,46
